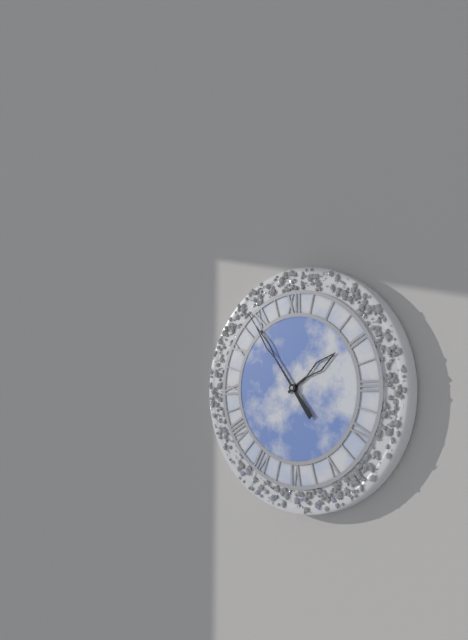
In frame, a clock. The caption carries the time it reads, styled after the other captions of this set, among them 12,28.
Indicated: 1,54
